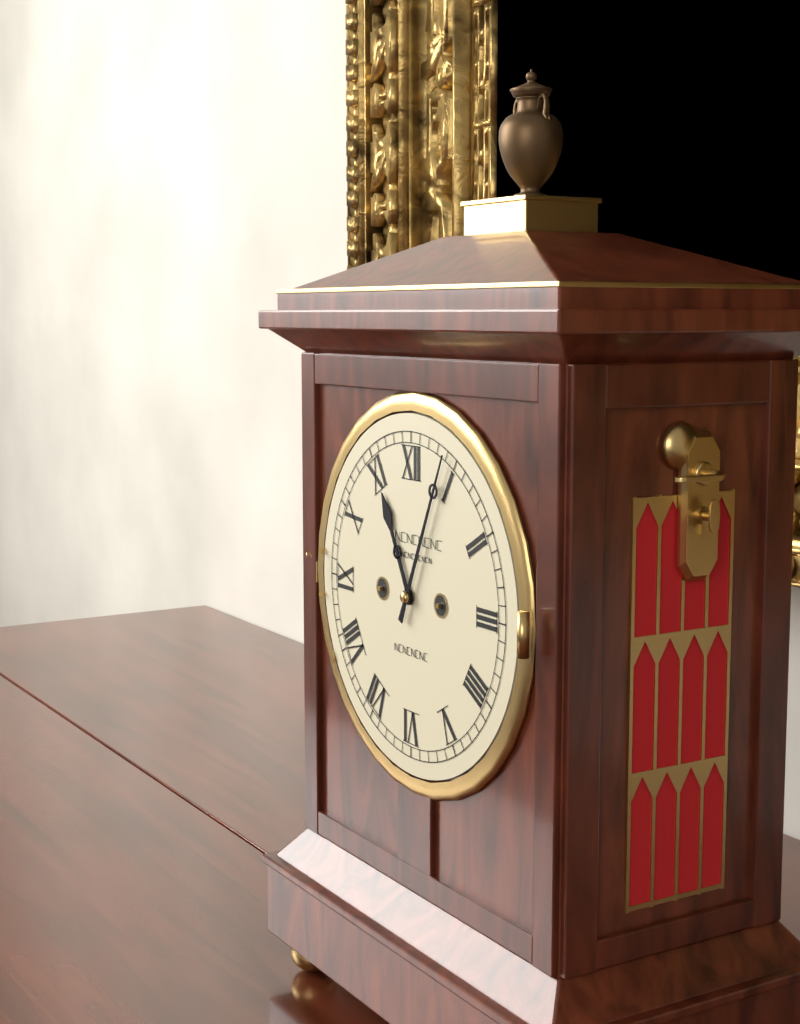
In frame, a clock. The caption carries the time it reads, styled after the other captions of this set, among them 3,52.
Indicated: 11,04
